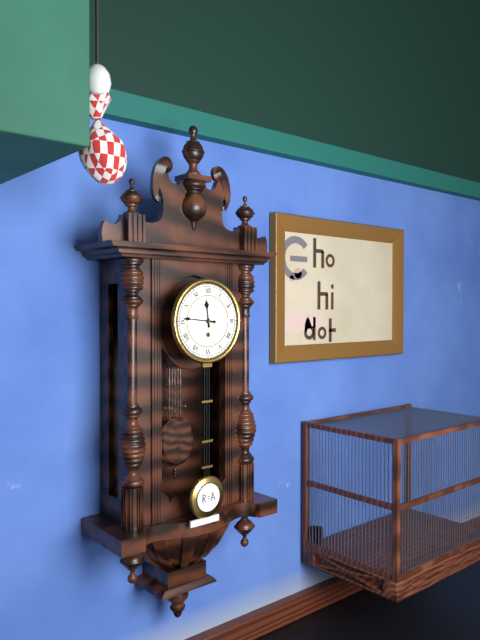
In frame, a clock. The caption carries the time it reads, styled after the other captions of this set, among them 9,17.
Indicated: 11,46
